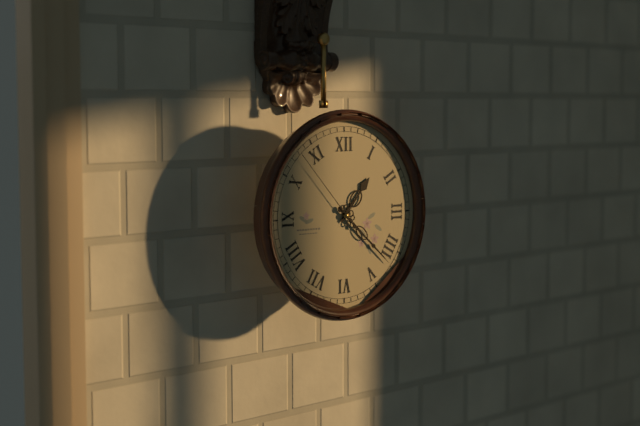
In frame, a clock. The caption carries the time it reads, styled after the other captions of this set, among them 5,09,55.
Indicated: 1,22,53
